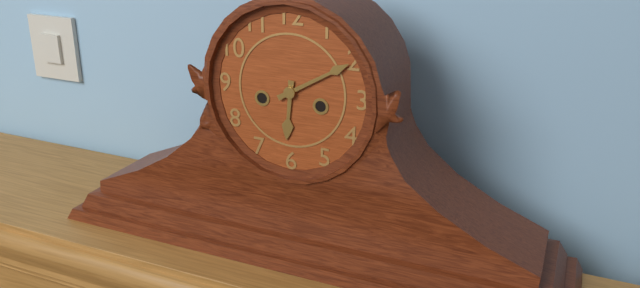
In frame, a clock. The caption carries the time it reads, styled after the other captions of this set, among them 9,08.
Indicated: 6,10
